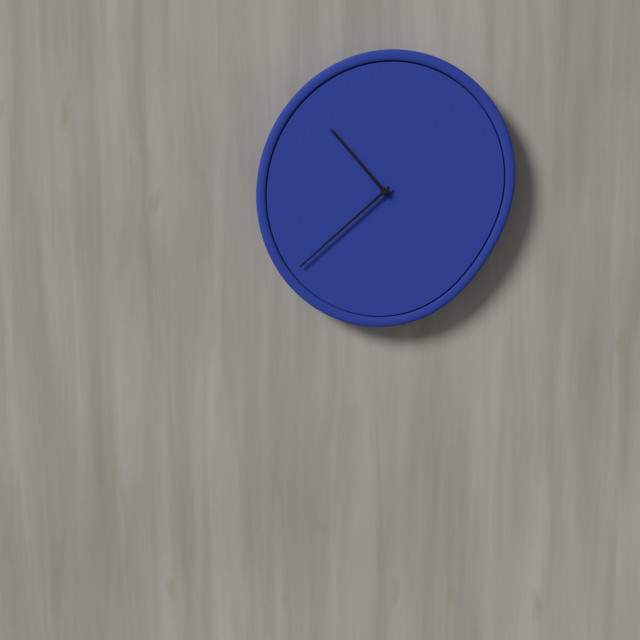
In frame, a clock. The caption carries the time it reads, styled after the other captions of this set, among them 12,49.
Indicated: 10,38
